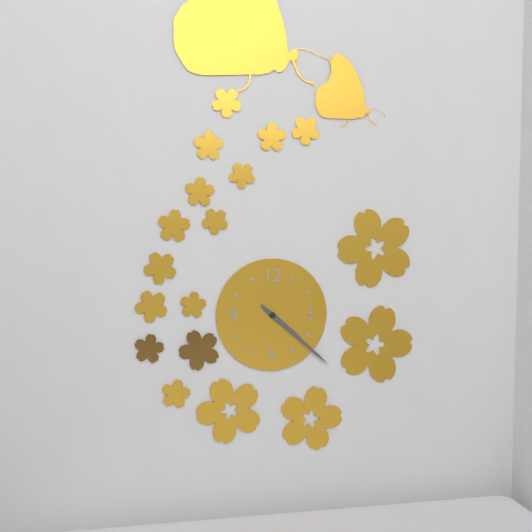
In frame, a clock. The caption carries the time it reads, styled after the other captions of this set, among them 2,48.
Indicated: 4,22
